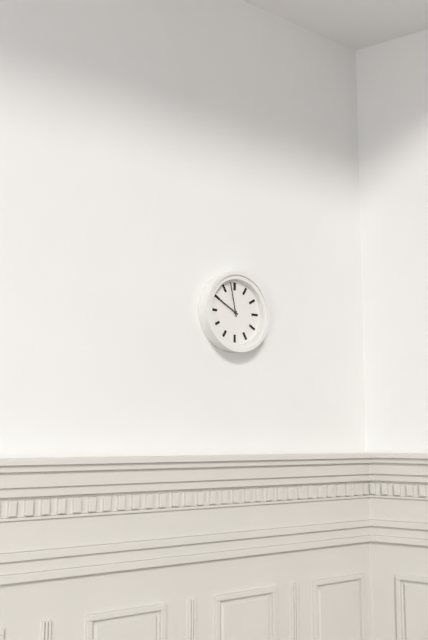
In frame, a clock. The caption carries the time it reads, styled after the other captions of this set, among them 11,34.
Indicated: 9,58
